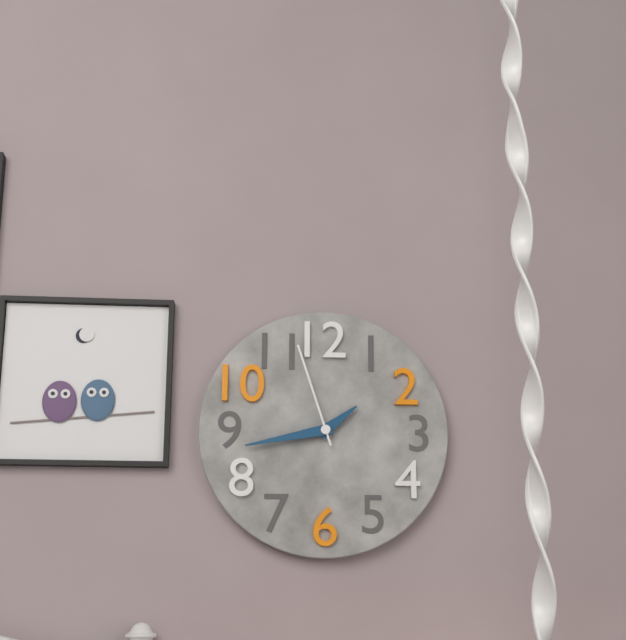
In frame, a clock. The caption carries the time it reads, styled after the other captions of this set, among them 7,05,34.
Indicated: 1,43,57
